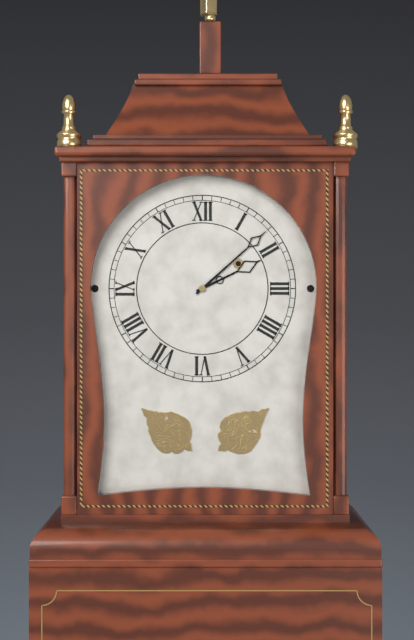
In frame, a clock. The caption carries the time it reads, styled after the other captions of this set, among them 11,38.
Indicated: 2,08
